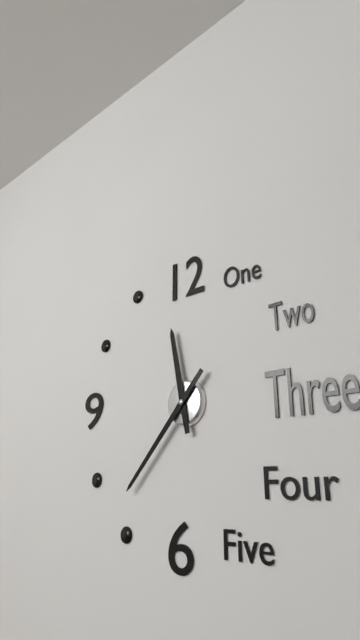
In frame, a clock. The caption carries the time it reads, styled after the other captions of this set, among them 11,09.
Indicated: 11,37
